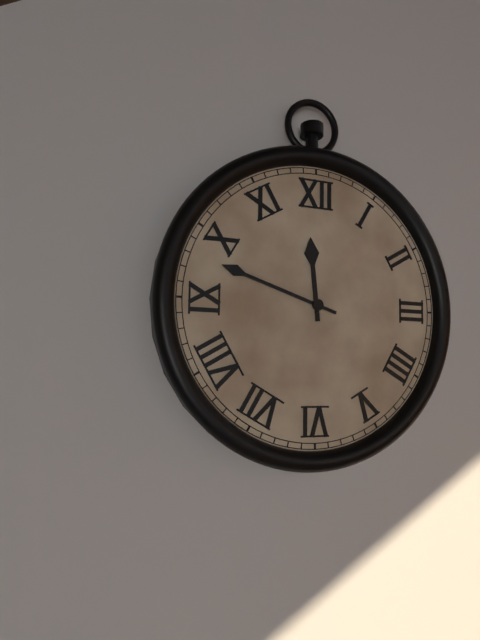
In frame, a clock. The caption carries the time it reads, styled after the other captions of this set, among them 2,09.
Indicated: 11,48
